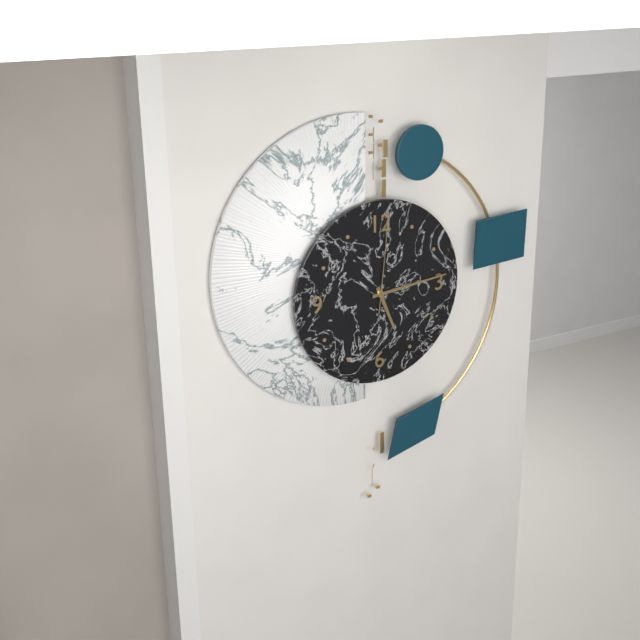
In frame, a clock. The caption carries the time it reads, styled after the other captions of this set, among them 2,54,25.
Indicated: 5,14,01
